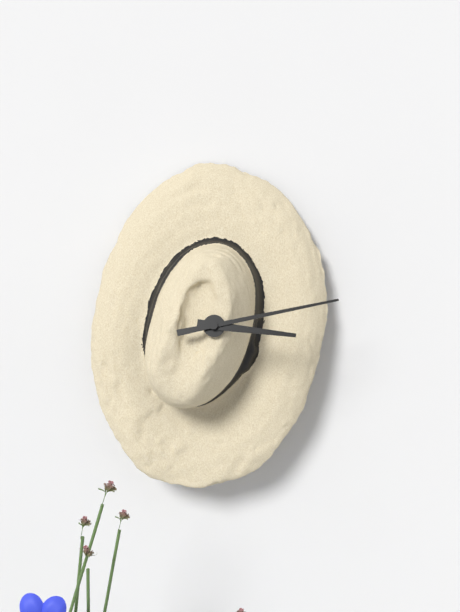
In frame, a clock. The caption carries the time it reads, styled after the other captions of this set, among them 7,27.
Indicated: 3,13
